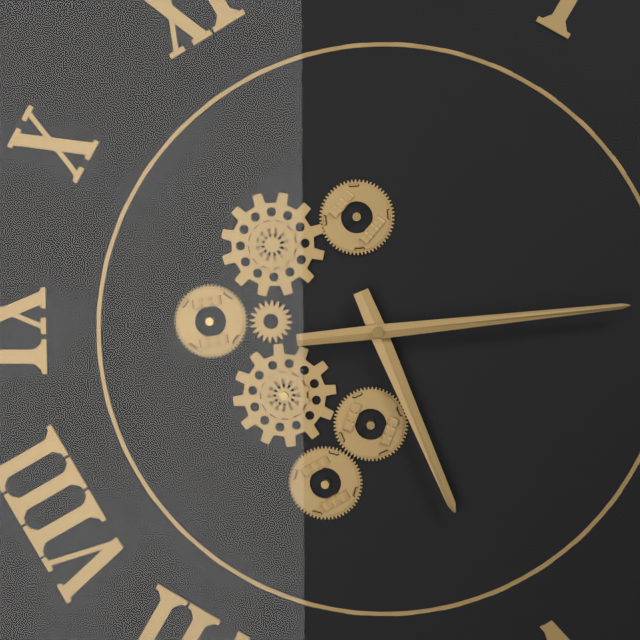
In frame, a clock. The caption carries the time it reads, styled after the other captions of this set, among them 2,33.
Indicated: 5,14
